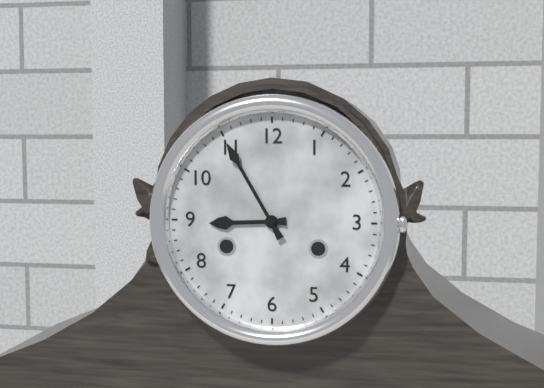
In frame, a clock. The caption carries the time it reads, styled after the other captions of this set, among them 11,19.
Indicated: 8,55
